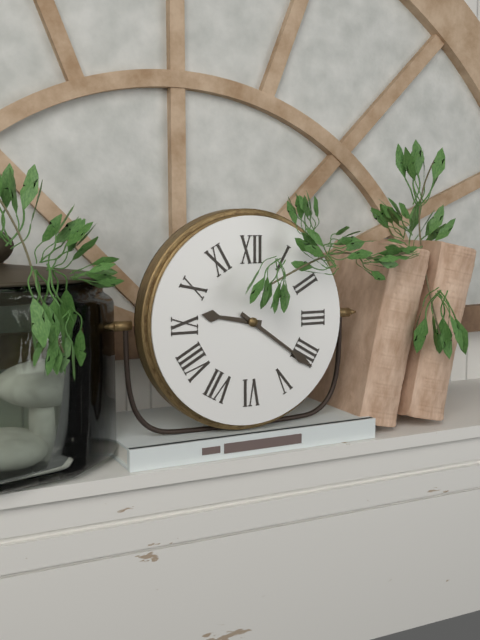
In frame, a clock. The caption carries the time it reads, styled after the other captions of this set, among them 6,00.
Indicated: 9,21
